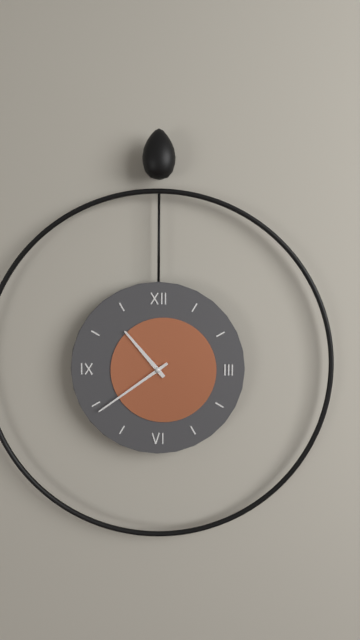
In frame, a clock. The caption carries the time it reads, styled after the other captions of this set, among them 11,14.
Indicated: 10,39
